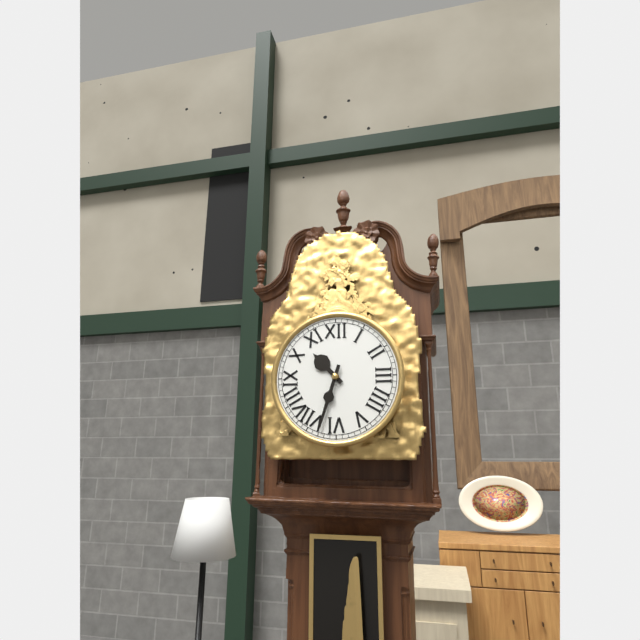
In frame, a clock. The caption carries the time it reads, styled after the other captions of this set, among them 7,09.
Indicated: 10,33
